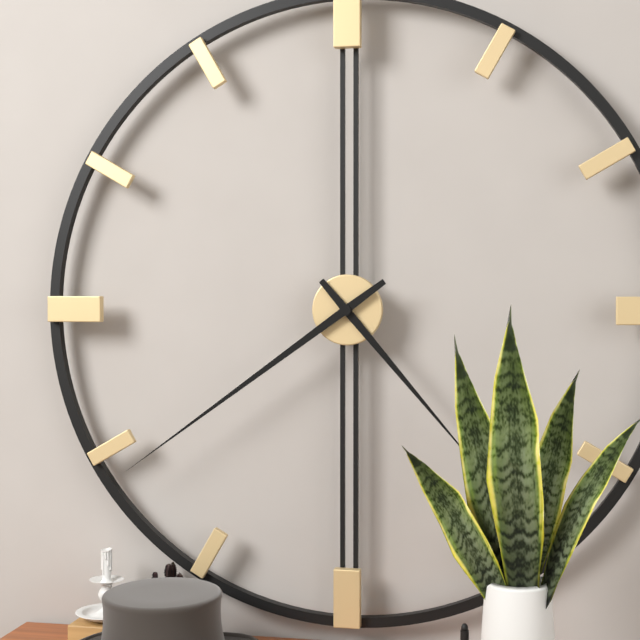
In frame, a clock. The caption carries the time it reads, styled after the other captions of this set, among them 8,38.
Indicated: 4,39
